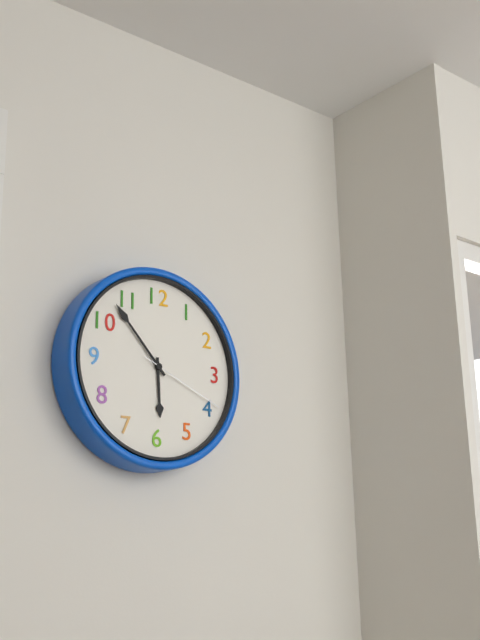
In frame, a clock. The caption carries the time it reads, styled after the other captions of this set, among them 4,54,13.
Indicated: 5,53,19
